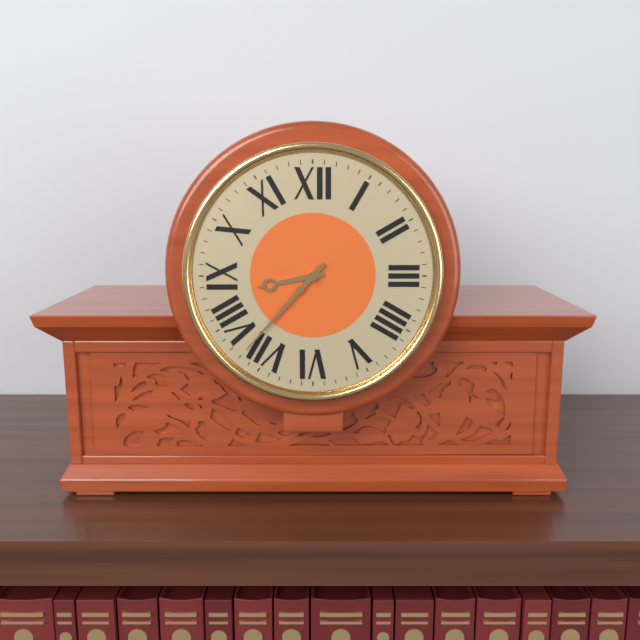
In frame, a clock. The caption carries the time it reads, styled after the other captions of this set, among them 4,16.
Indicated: 8,37
